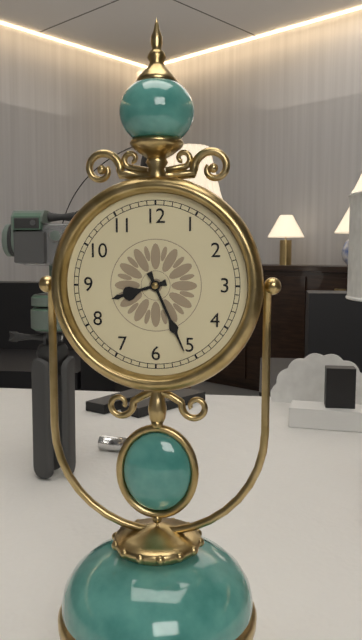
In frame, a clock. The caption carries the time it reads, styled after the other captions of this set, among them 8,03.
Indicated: 8,26
